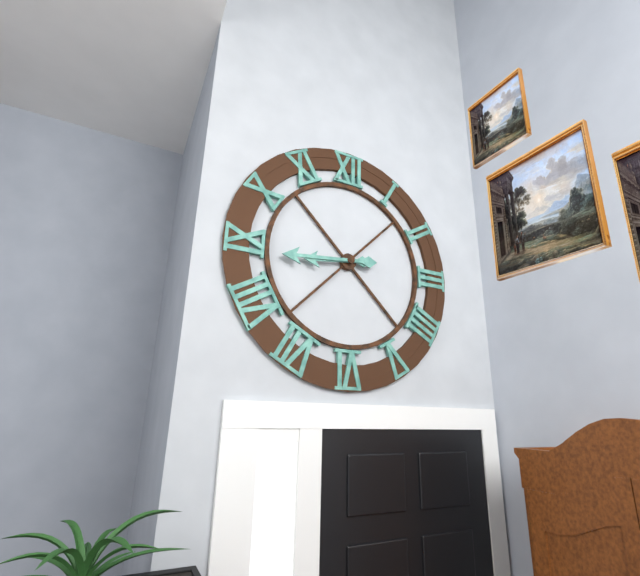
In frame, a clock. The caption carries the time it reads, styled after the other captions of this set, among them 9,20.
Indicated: 8,44
